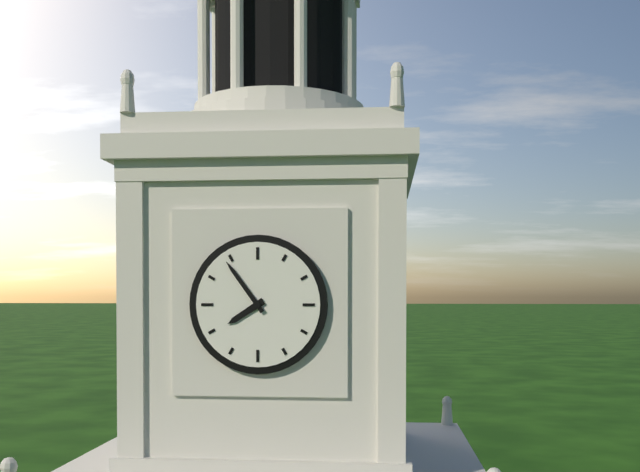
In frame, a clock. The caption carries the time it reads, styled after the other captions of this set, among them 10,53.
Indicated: 7,54
